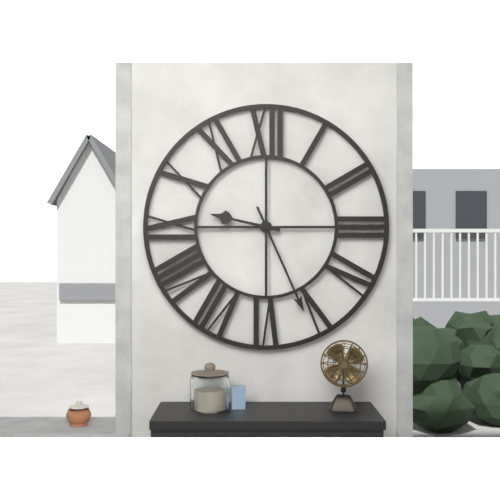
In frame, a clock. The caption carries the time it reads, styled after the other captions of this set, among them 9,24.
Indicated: 9,26
